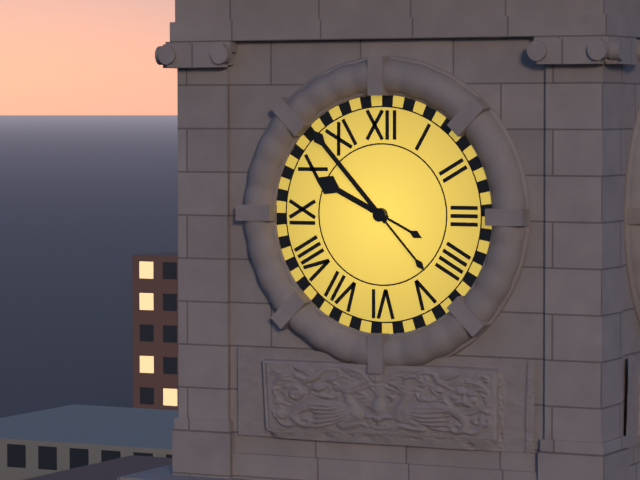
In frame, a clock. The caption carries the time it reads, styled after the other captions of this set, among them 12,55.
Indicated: 9,53
